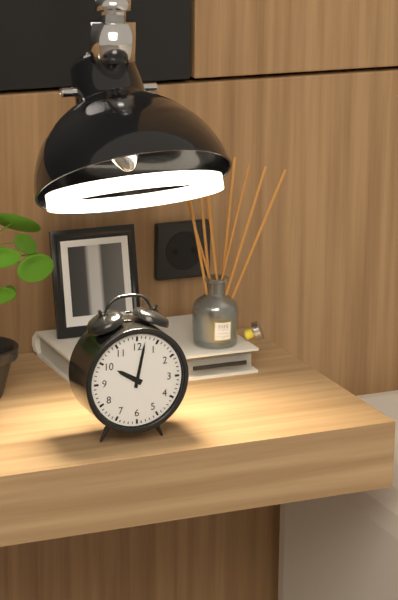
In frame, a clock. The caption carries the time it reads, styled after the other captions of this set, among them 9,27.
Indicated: 10,02
